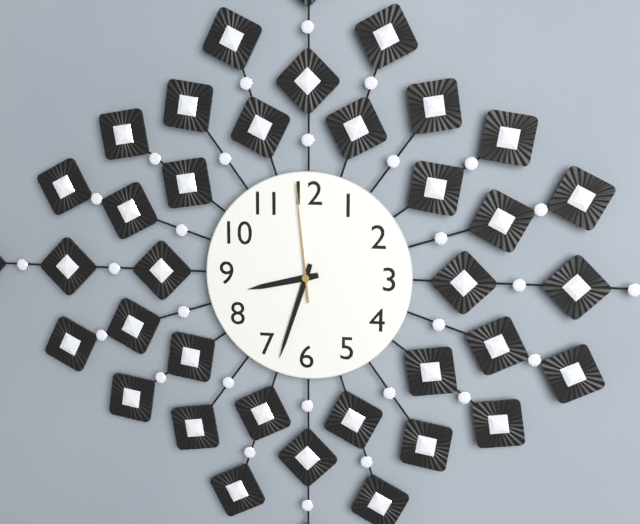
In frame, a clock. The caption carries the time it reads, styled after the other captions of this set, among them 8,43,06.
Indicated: 8,33,59
